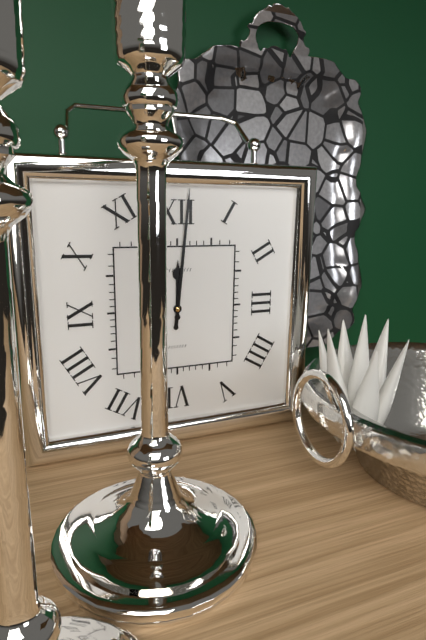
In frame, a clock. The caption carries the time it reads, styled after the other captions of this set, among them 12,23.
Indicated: 12,01
